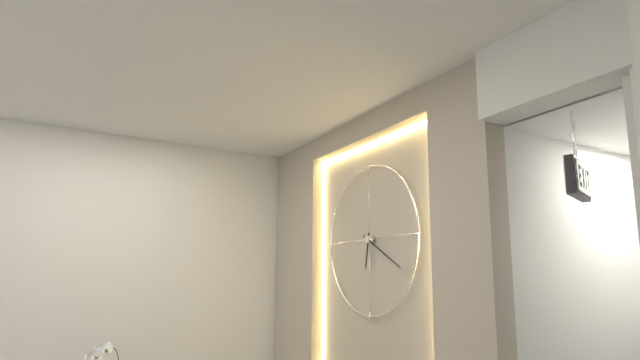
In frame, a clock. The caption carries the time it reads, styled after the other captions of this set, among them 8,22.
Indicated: 6,20
